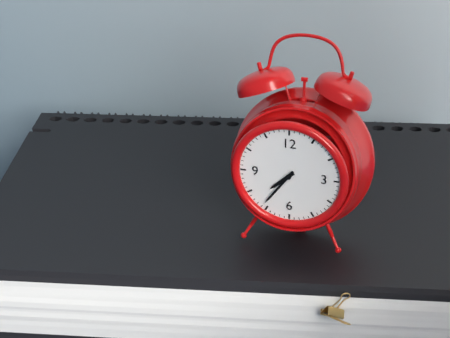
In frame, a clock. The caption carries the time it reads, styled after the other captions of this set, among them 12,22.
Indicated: 7,36
